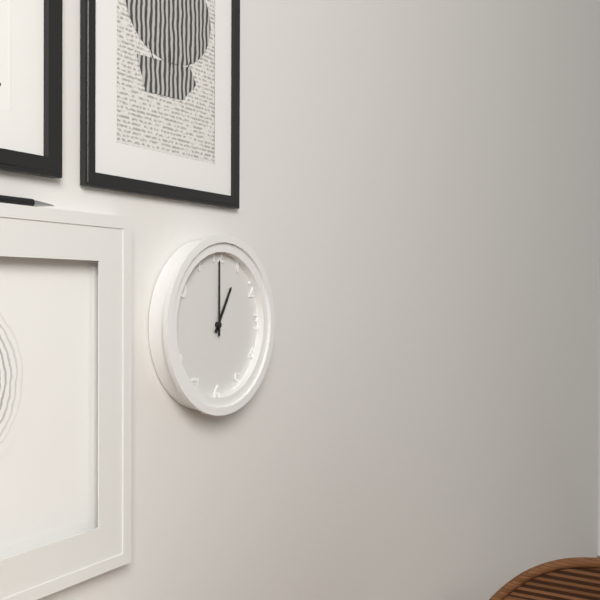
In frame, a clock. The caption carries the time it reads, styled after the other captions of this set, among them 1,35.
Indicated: 1,00
